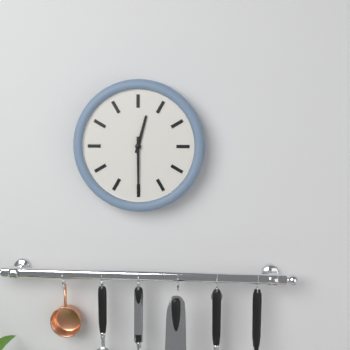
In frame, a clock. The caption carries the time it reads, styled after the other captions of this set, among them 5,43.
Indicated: 12,30
